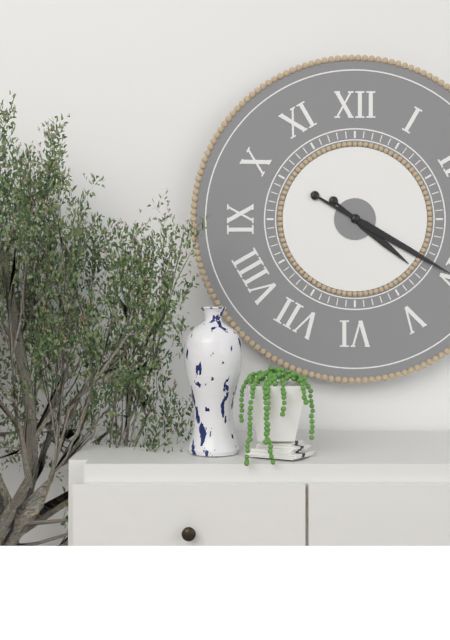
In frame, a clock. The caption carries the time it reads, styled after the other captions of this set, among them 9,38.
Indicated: 4,20
